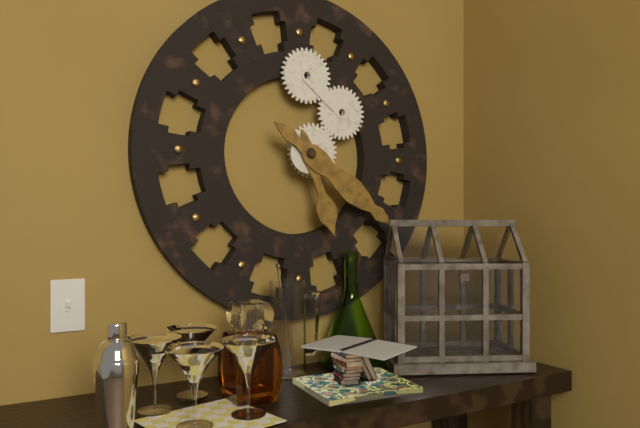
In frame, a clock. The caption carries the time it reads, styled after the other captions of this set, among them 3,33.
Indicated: 5,21
